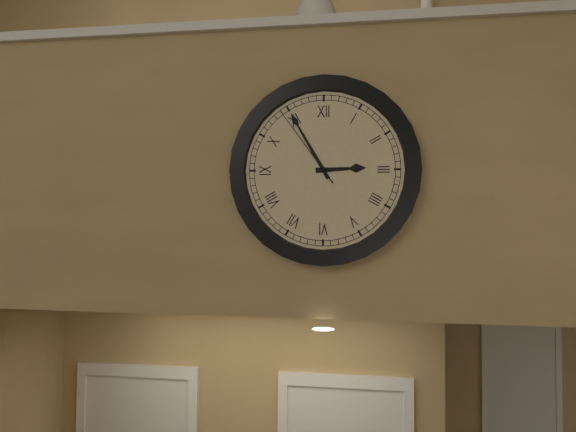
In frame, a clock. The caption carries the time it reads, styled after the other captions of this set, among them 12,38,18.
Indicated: 2,55,54
